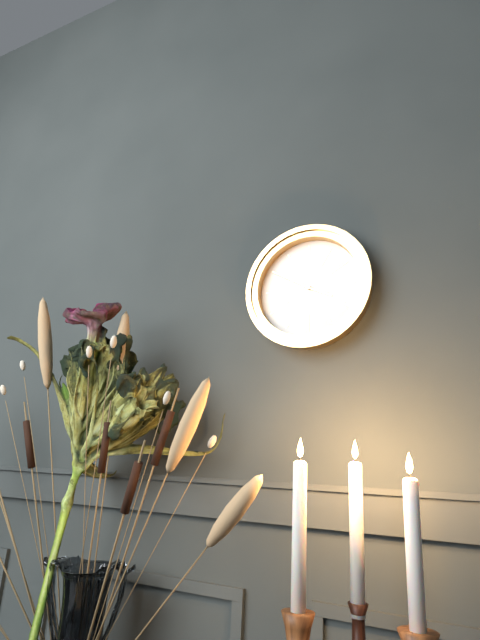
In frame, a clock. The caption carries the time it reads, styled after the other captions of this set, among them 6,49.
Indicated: 3,50
